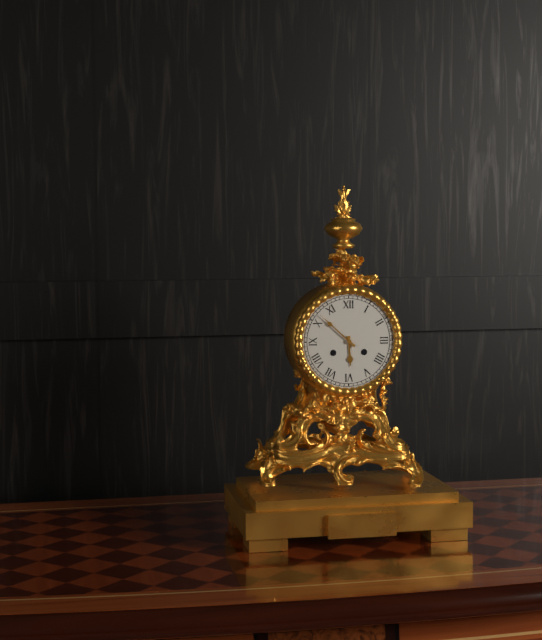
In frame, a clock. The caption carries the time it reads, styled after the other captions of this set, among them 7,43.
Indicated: 5,52
